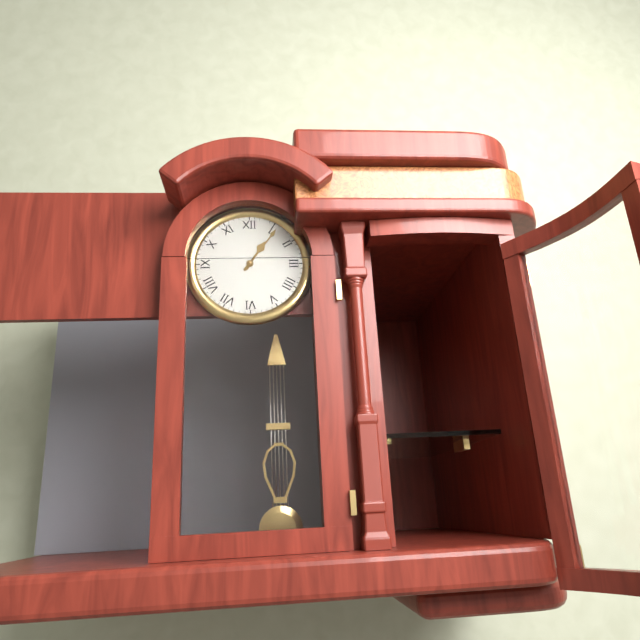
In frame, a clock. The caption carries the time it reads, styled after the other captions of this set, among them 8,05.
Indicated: 1,06
